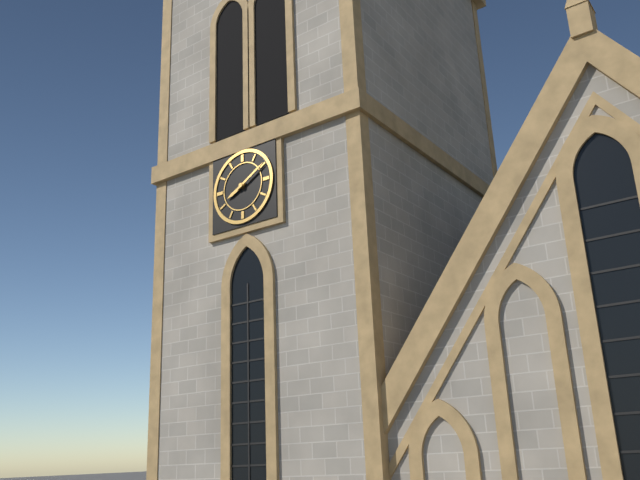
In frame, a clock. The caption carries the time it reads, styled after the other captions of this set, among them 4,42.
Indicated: 8,10
